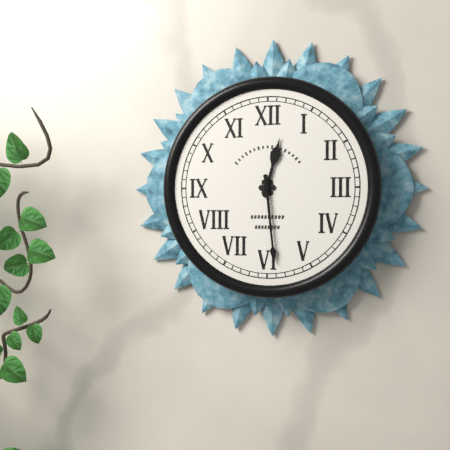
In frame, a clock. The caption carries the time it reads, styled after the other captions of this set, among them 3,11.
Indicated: 12,29
